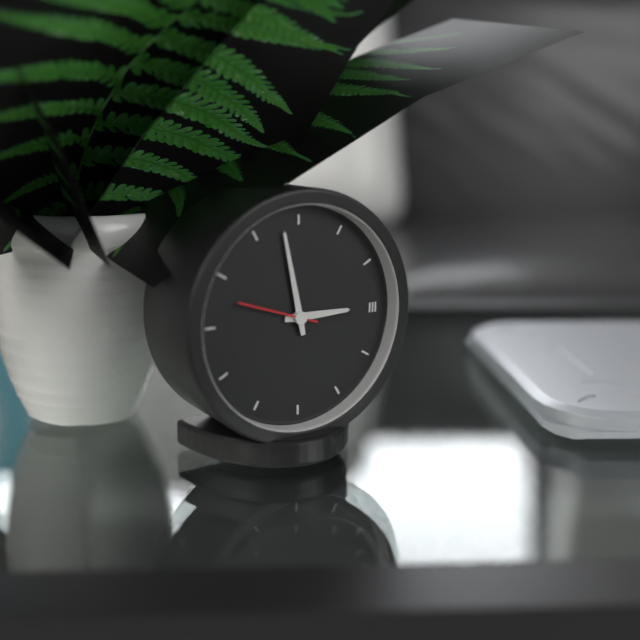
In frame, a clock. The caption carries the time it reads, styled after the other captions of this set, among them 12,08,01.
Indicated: 2,58,48
